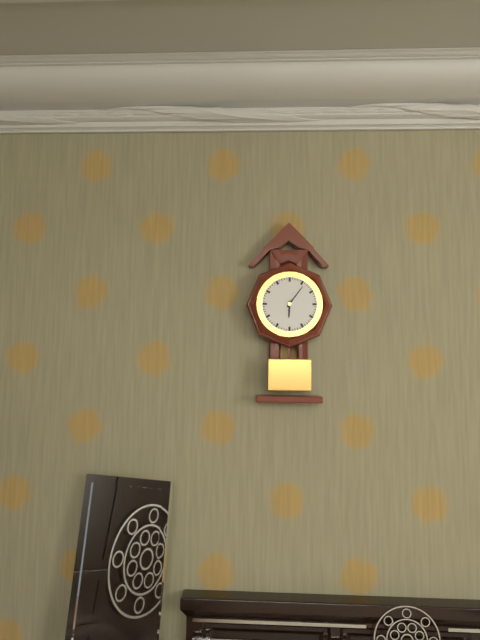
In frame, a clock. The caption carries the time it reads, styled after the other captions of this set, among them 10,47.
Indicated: 6,06
